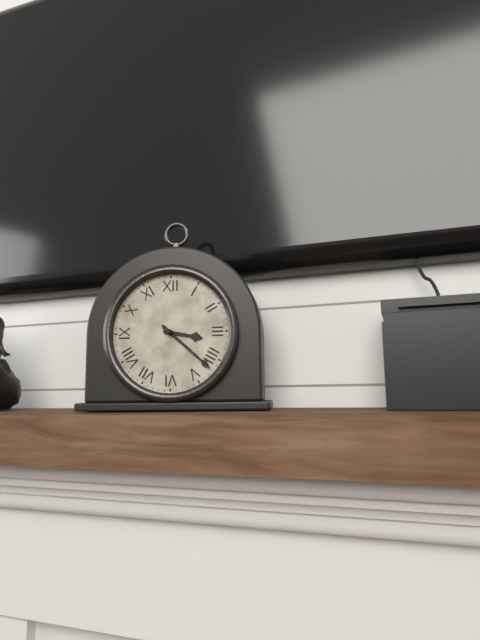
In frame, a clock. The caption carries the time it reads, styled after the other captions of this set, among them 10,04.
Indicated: 3,22
